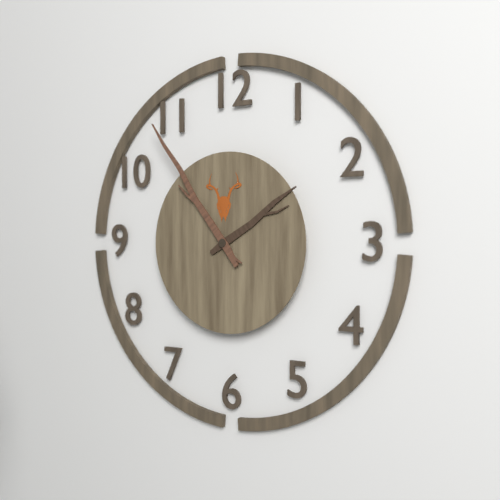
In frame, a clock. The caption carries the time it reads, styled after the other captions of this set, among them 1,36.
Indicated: 1,54
